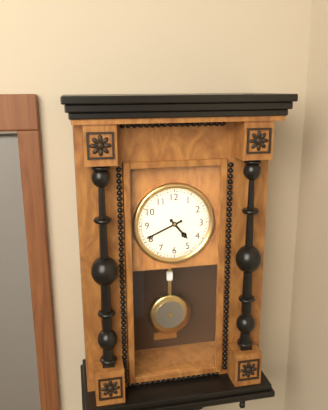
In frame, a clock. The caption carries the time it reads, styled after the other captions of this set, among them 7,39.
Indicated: 4,41
